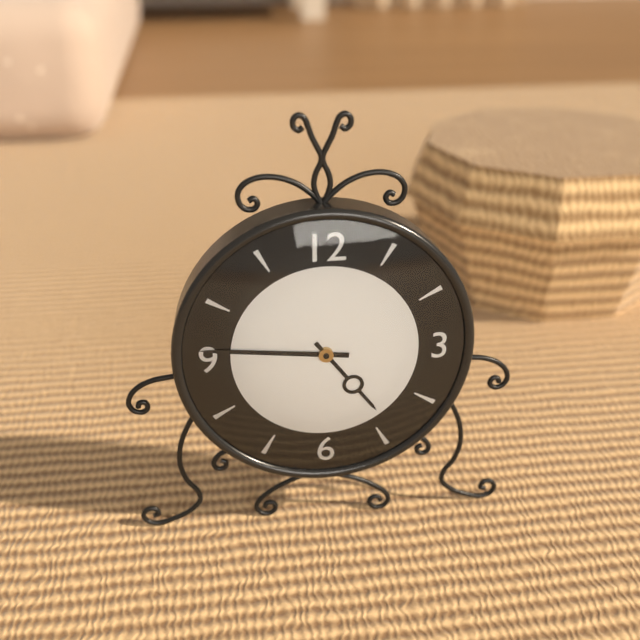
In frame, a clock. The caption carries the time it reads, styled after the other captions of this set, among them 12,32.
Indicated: 4,46
